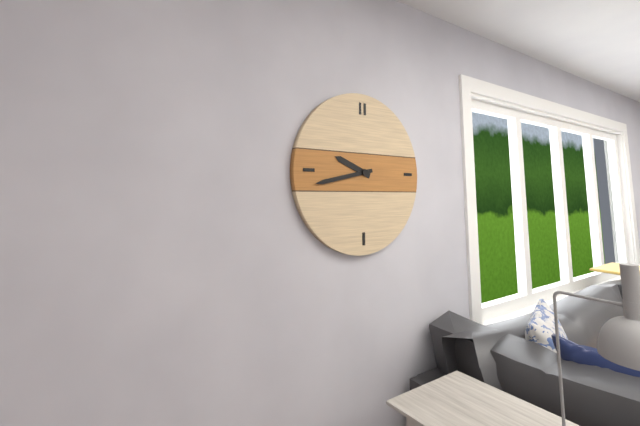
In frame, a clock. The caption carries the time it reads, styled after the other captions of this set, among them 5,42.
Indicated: 9,43
